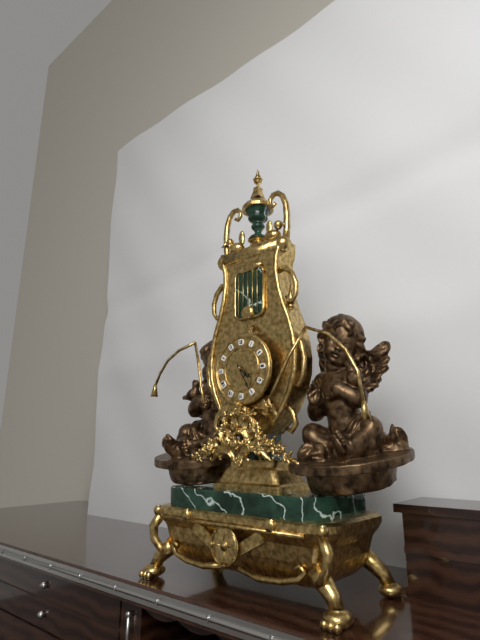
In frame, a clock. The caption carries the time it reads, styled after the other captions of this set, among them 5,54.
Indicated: 4,25
